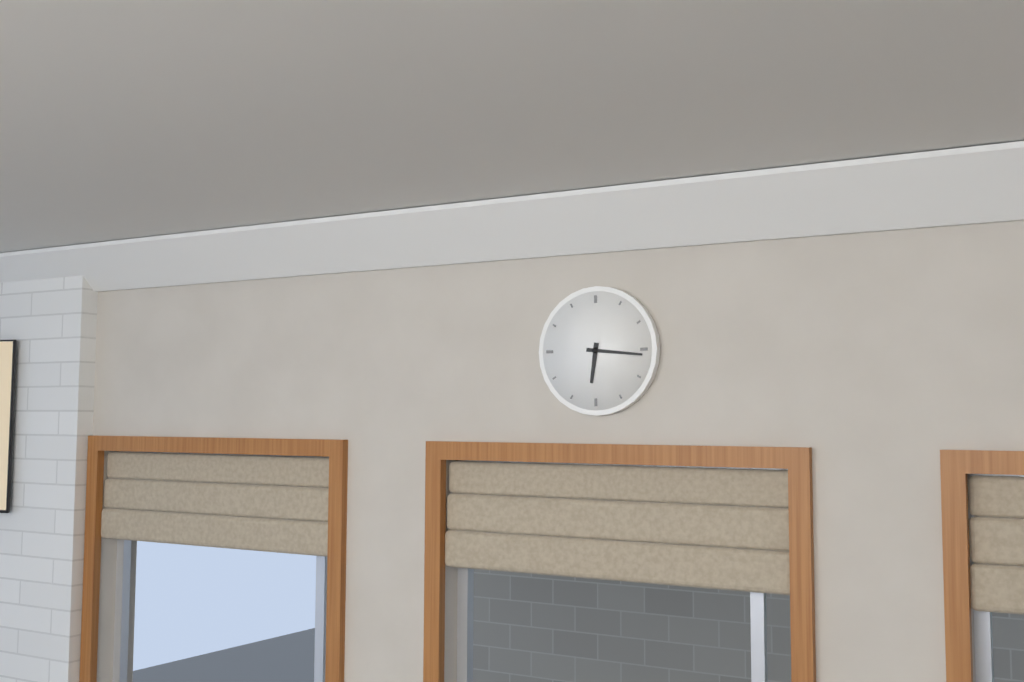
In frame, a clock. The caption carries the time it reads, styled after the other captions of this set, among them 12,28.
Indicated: 6,16
